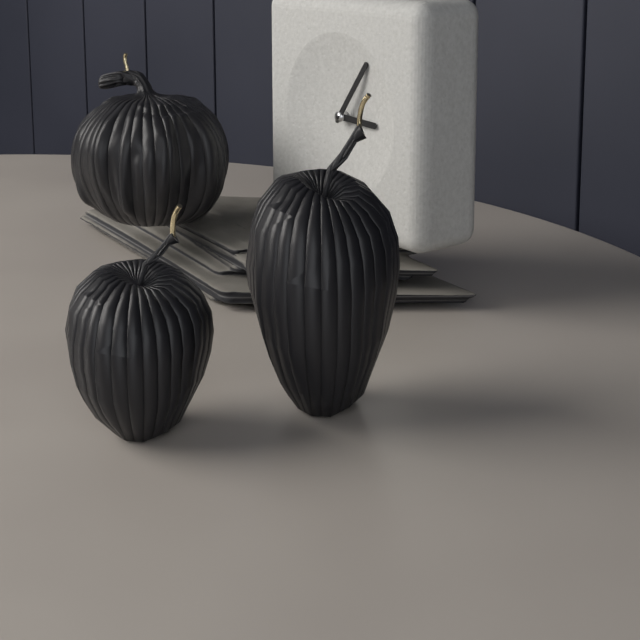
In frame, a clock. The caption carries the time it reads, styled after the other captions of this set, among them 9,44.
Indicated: 3,06
